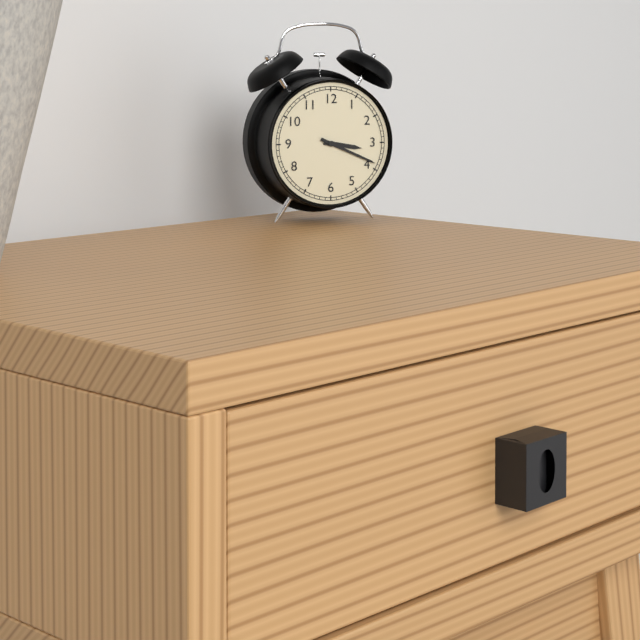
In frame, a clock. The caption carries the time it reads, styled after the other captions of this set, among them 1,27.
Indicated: 3,19
